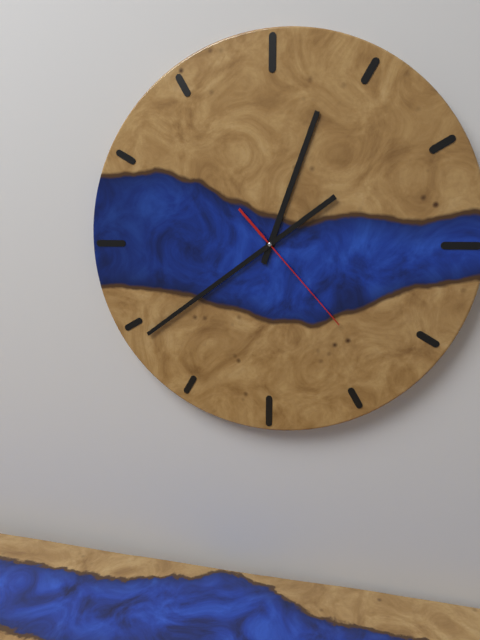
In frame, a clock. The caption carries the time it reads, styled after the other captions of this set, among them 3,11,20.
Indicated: 12,39,23
